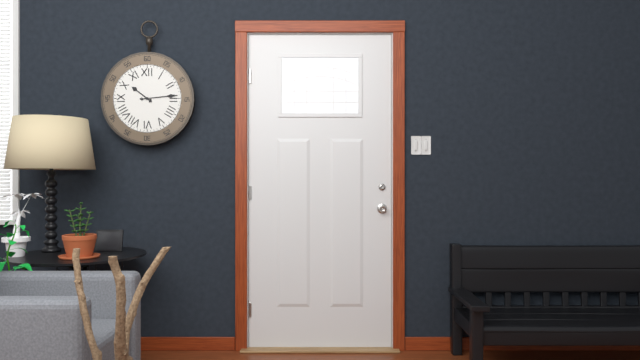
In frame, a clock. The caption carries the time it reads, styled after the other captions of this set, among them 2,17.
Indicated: 10,14
